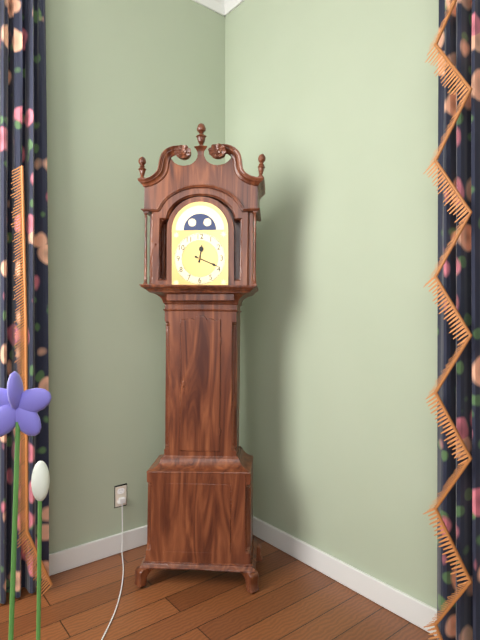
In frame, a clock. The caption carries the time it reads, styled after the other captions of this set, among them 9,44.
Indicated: 12,19
